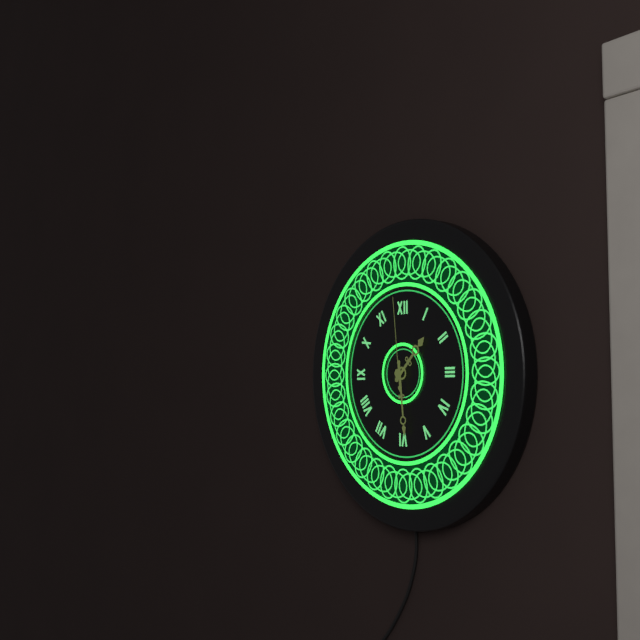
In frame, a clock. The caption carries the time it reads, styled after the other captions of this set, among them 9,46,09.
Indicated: 1,29,59
